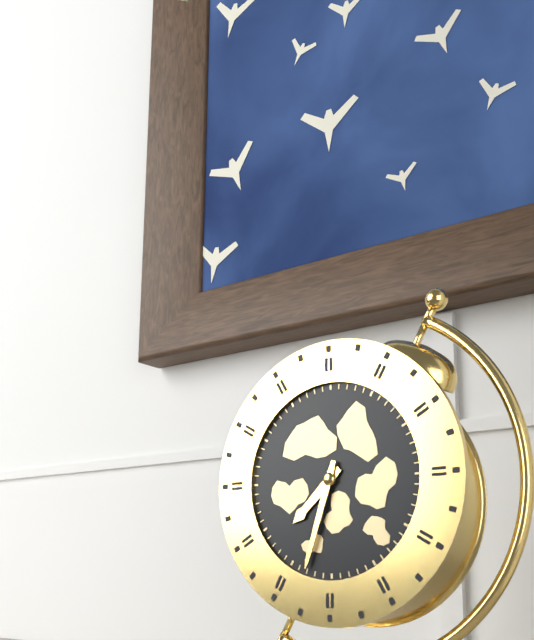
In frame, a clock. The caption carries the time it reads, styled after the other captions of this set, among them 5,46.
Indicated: 7,33
